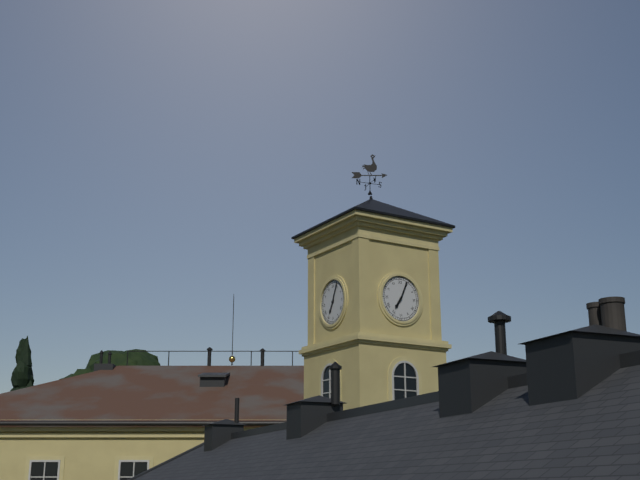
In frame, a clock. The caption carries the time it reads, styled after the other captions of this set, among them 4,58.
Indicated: 7,04
